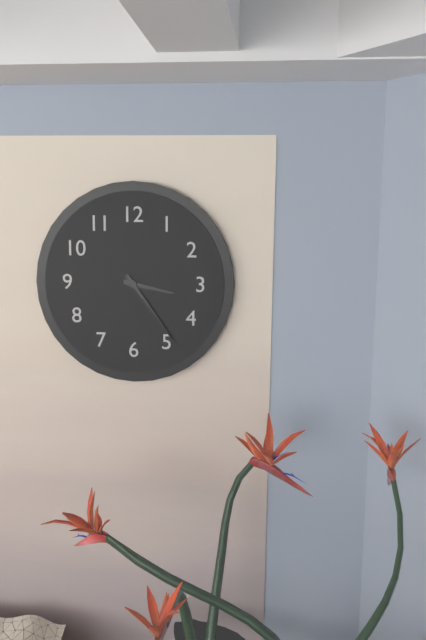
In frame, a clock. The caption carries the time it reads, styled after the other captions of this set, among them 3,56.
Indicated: 3,24
